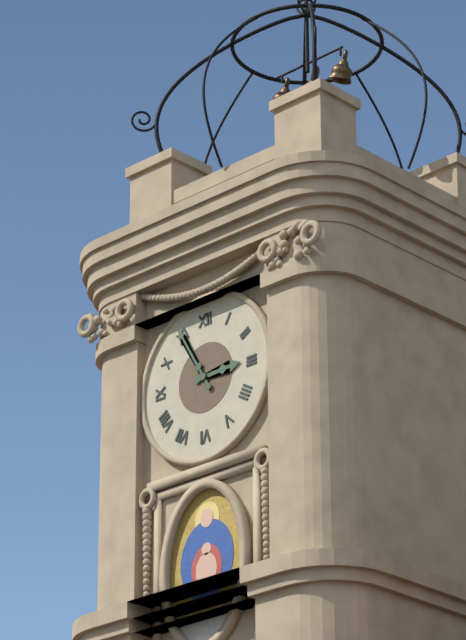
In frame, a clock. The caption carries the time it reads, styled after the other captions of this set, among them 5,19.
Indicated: 2,55
